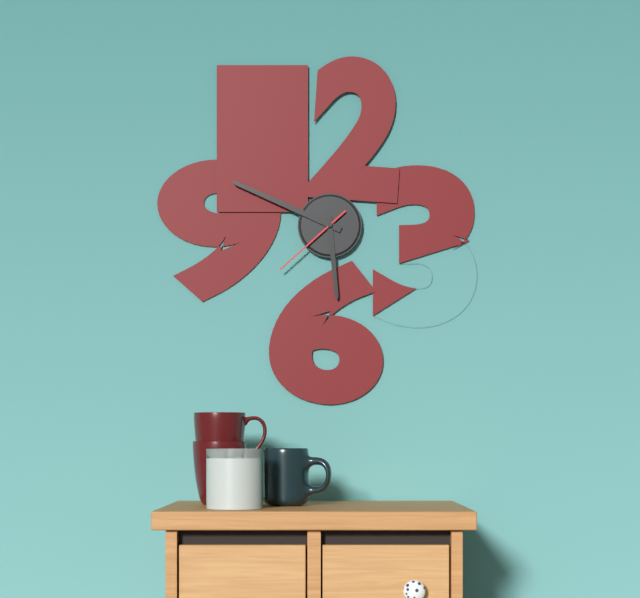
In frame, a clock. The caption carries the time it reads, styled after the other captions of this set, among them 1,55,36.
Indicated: 5,49,38
